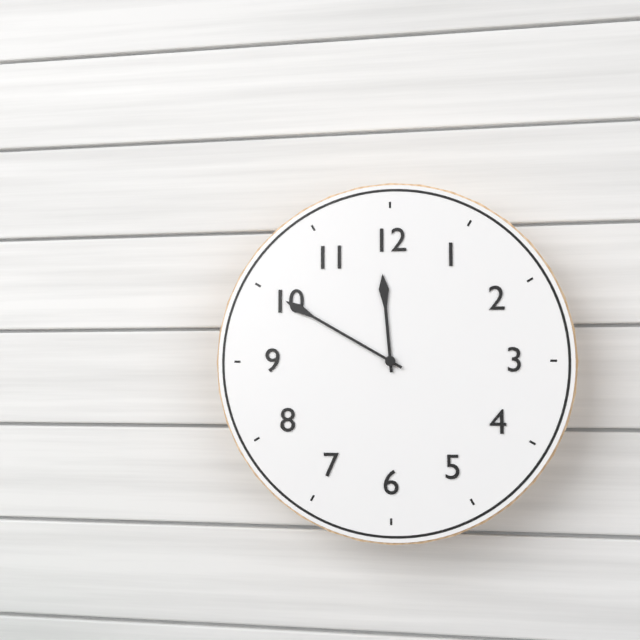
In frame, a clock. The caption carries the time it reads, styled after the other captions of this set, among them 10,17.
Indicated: 11,50
